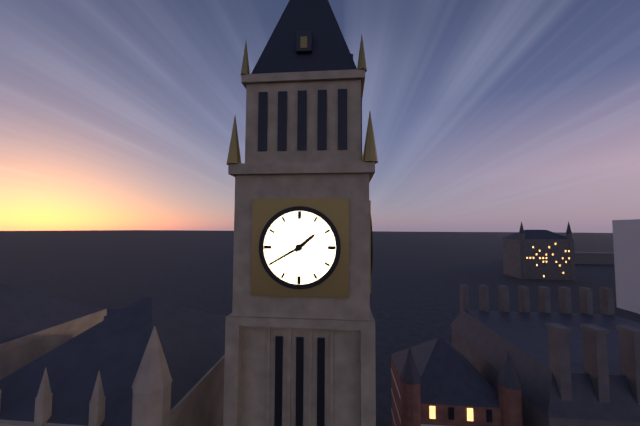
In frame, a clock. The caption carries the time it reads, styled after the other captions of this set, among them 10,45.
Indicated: 1,40
